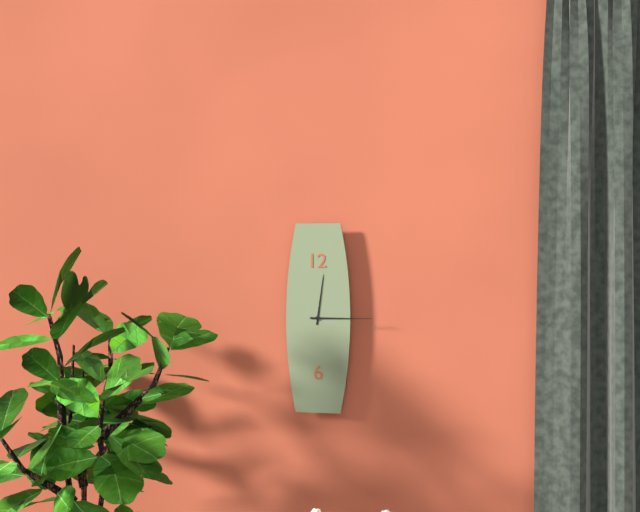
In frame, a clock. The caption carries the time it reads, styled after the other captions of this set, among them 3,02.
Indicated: 12,15
